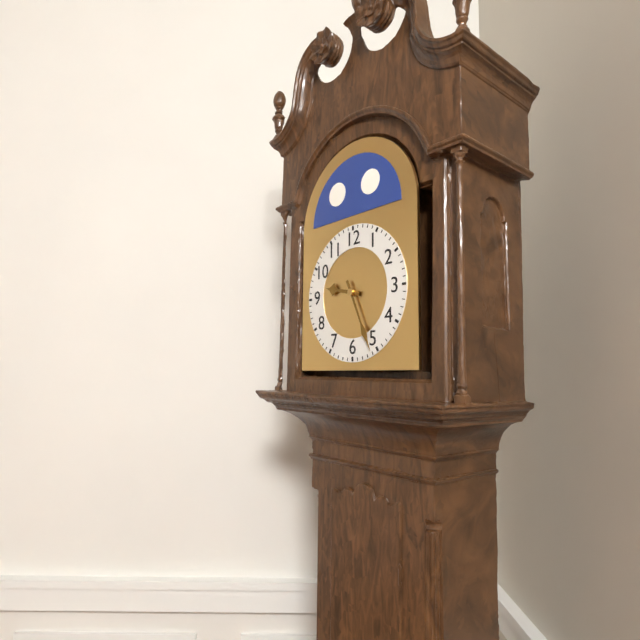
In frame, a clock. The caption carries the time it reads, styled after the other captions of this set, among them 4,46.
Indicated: 9,26
